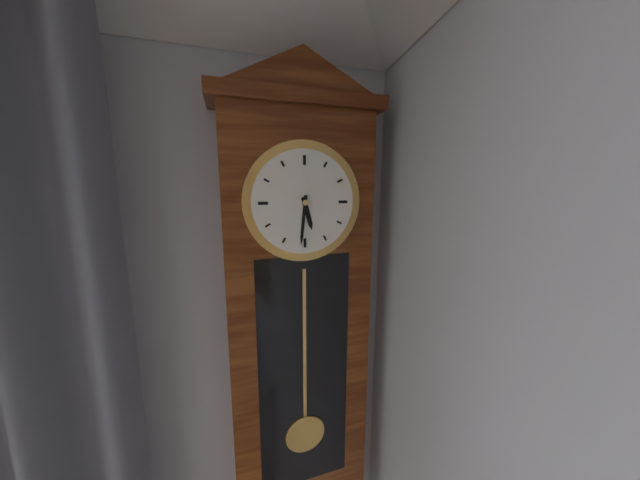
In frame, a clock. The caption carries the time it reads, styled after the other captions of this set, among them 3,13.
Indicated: 5,31
